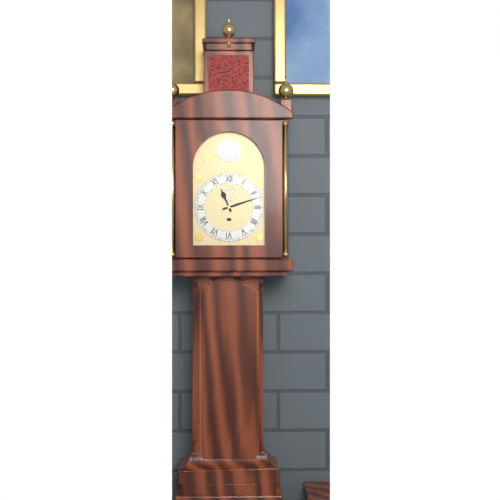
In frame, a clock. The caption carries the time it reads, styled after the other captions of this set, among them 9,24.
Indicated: 11,12
